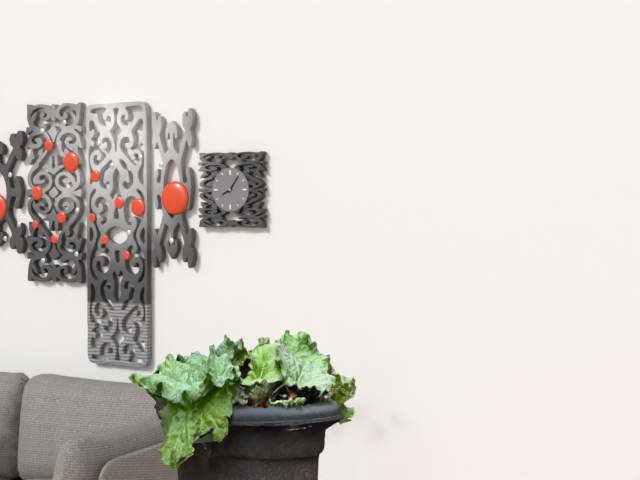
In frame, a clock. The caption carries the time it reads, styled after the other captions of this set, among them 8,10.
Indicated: 8,06
